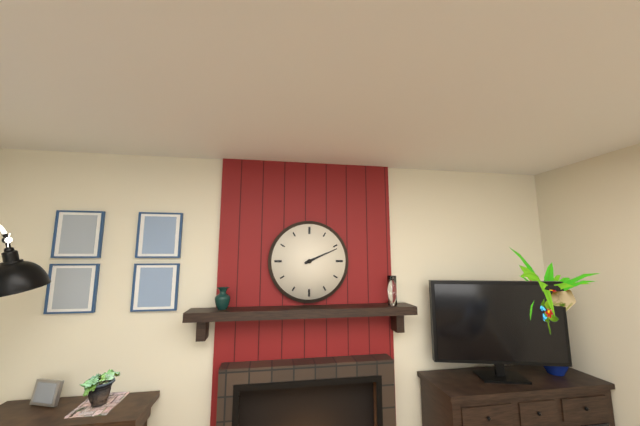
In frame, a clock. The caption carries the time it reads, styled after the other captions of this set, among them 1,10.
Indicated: 2,11
